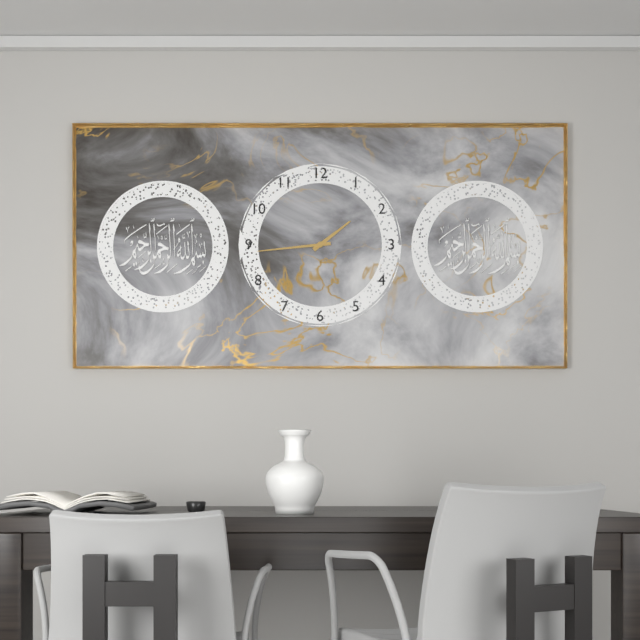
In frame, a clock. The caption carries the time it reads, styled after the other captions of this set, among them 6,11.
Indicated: 1,44
